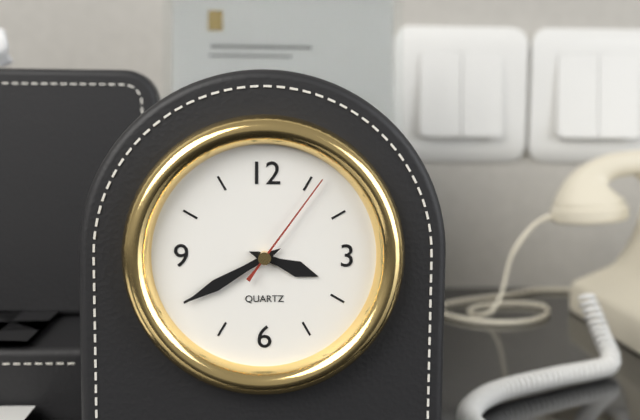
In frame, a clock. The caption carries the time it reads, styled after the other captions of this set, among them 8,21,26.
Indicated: 3,40,06
